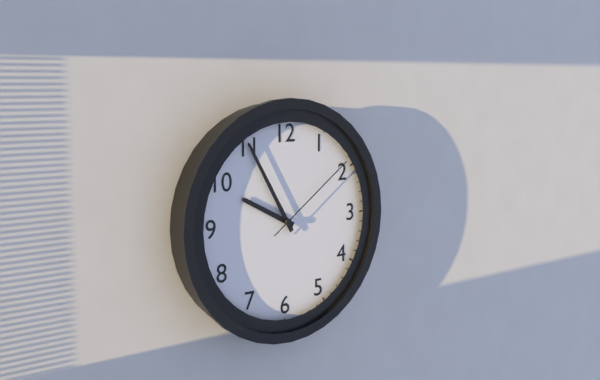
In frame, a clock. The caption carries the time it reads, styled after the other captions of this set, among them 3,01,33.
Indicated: 9,55,09
